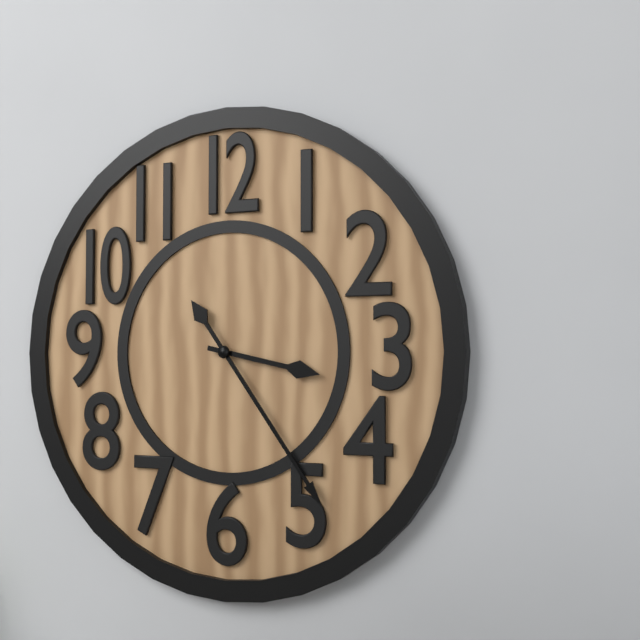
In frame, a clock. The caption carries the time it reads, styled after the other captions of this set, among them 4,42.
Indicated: 3,24
